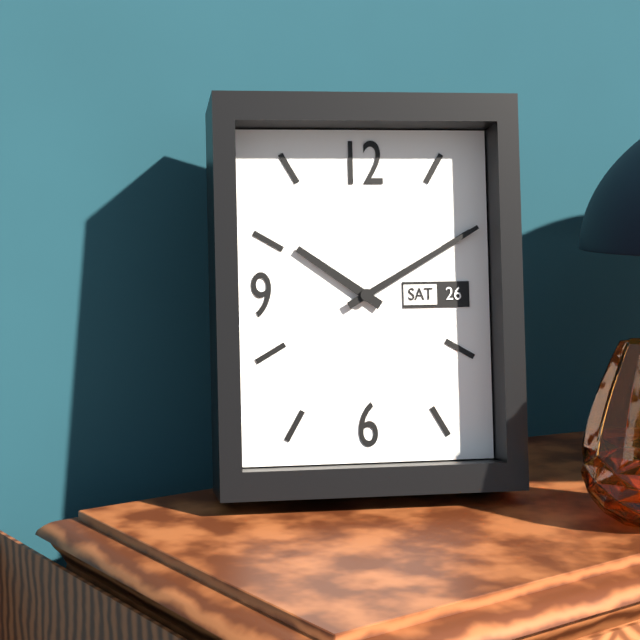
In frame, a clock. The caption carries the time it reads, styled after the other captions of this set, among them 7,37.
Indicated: 10,10
